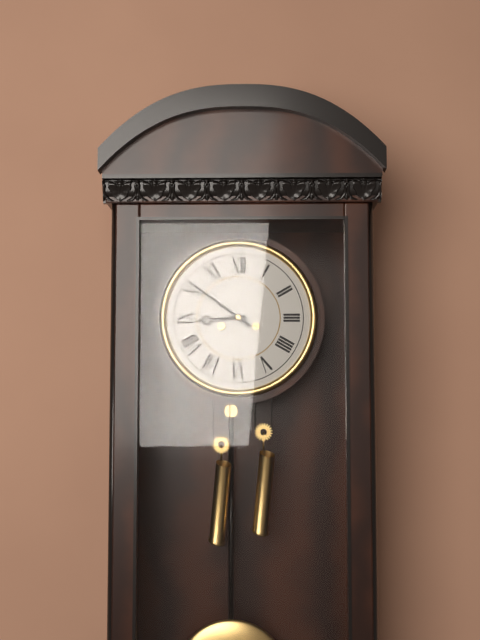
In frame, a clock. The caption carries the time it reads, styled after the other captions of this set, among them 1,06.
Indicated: 8,51
